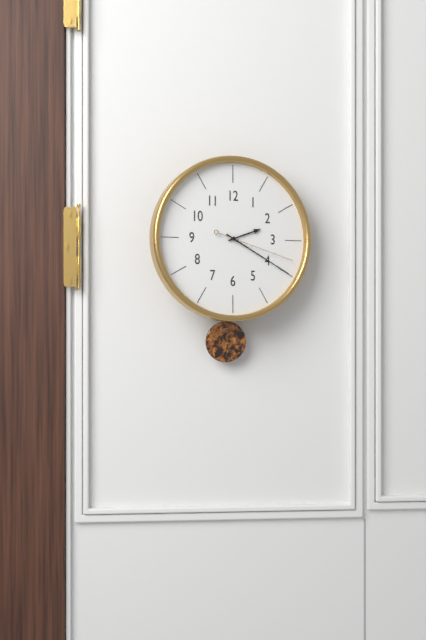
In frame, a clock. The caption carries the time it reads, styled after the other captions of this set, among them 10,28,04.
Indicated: 2,20,18
